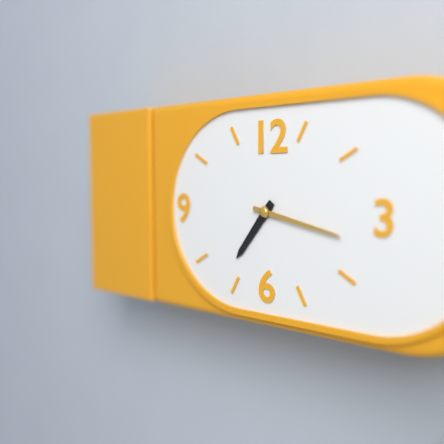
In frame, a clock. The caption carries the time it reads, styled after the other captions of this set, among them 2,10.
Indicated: 7,17
